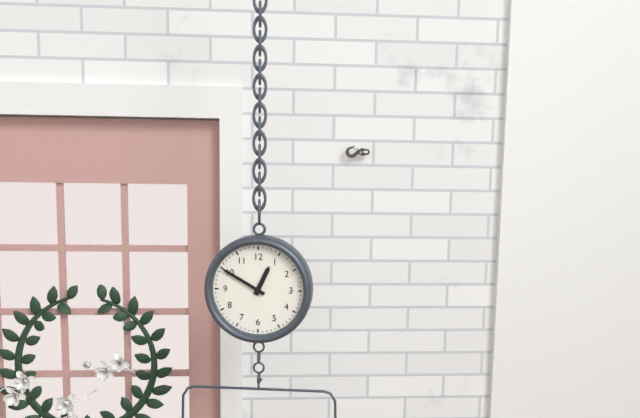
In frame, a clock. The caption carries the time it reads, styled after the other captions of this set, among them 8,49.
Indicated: 12,50
